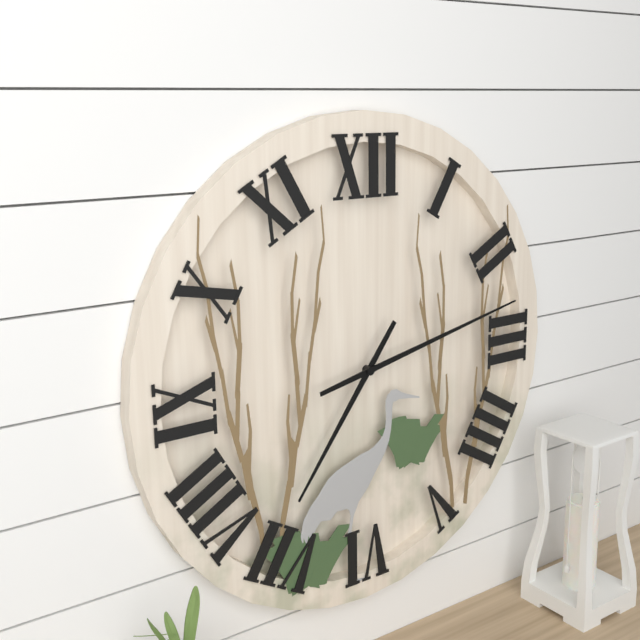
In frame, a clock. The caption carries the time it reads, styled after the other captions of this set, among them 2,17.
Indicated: 7,13
